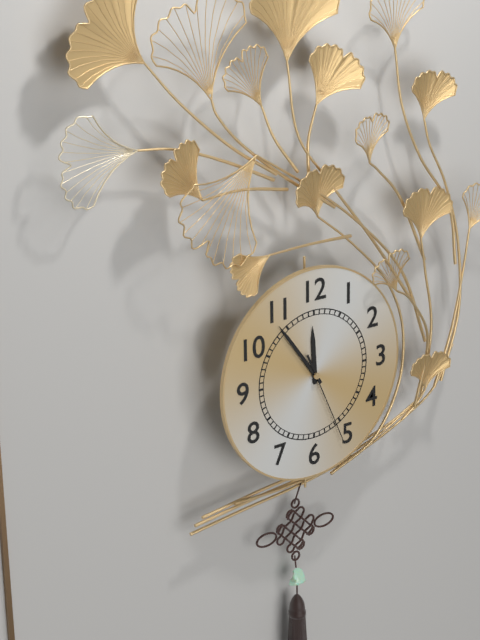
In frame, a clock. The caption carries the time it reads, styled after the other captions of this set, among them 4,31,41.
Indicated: 11,54,26
